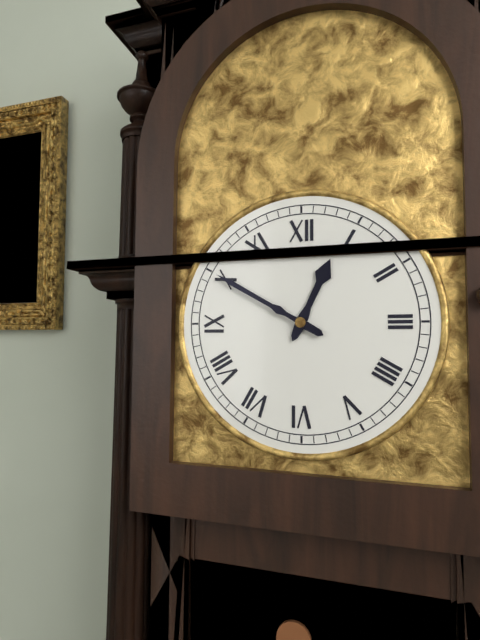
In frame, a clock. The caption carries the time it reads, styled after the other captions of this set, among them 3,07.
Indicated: 12,50
